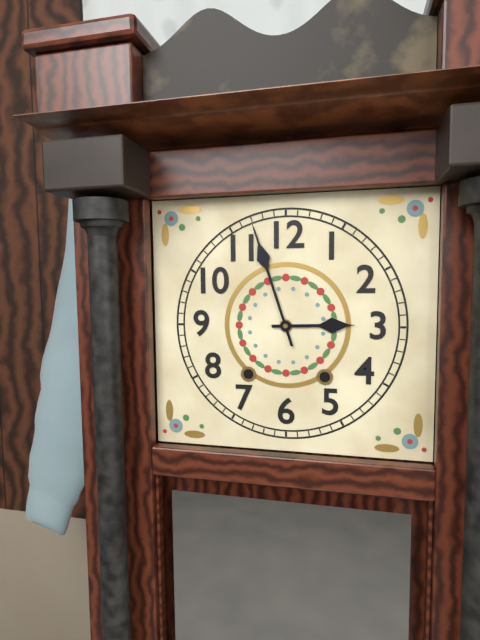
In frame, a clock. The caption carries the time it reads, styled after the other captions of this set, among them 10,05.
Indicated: 2,57
